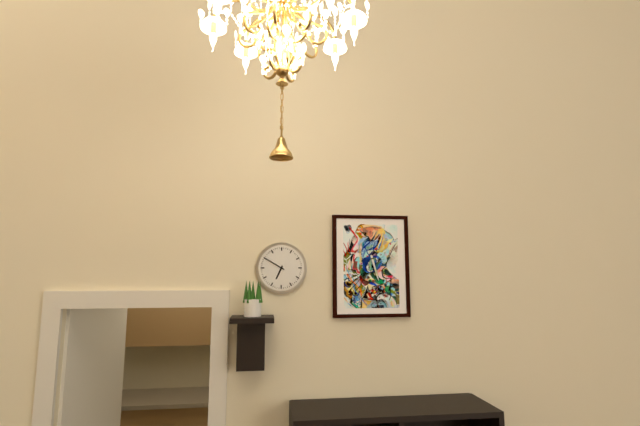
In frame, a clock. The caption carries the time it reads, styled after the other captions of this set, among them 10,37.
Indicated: 6,50
